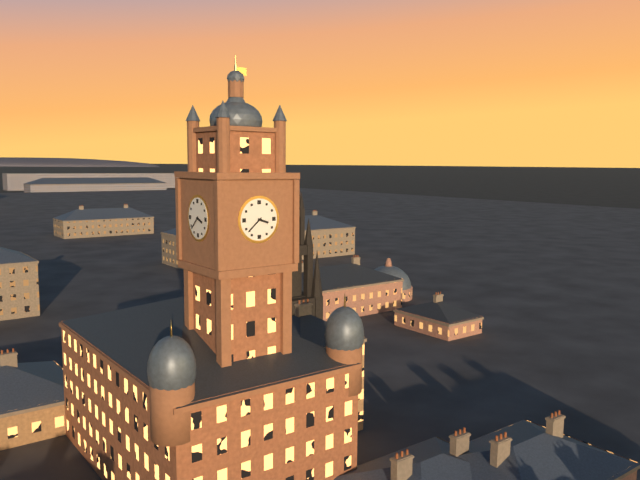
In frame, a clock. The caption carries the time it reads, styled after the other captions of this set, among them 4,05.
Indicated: 3,38
